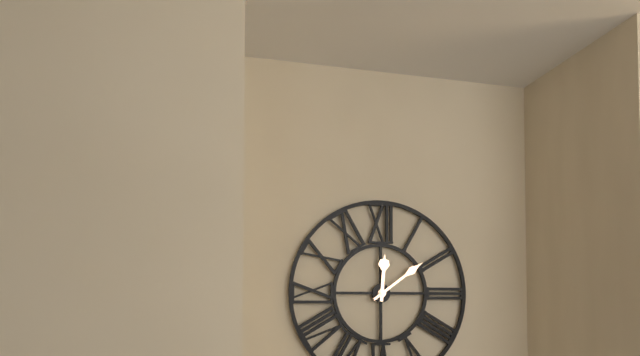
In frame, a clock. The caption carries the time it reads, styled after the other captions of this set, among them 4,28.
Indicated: 12,09
